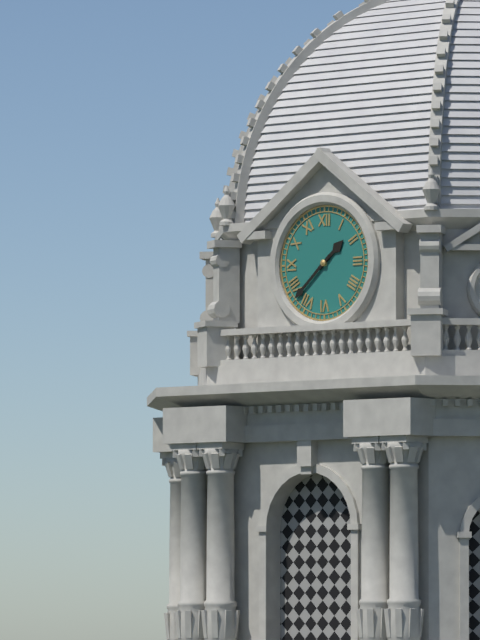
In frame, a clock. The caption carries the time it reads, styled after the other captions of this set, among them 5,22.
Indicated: 1,38
